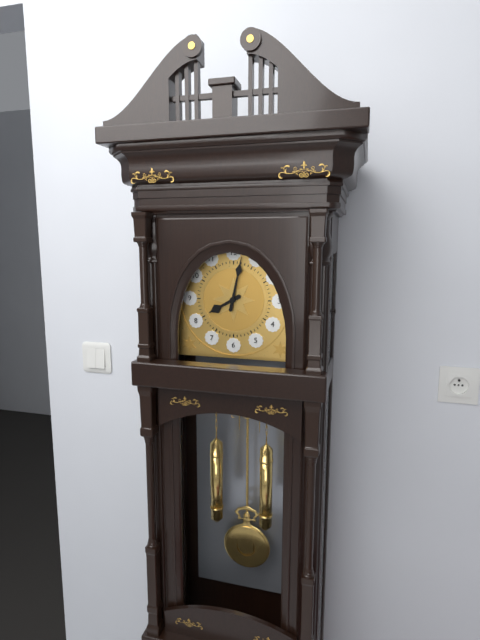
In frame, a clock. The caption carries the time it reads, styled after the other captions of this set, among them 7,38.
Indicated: 8,02
